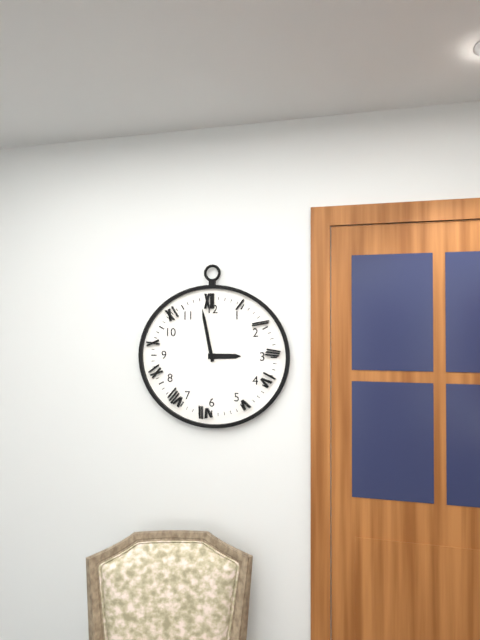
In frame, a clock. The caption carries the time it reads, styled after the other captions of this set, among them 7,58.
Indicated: 2,58
